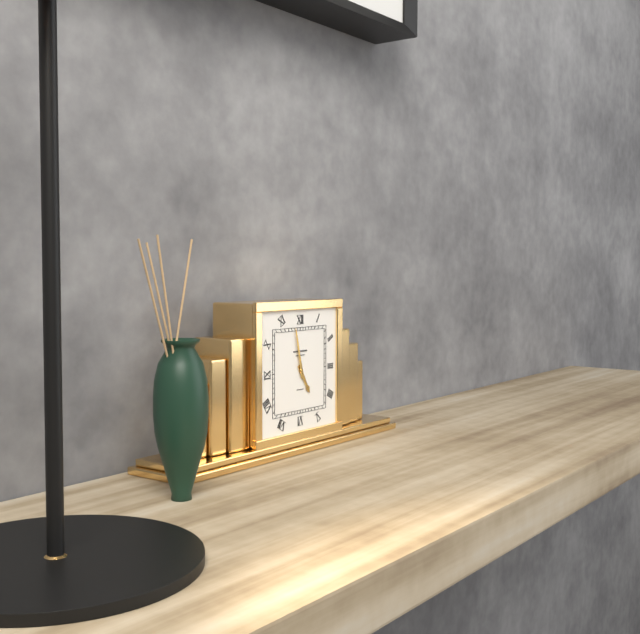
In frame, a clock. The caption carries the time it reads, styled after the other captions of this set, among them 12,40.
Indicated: 4,58
